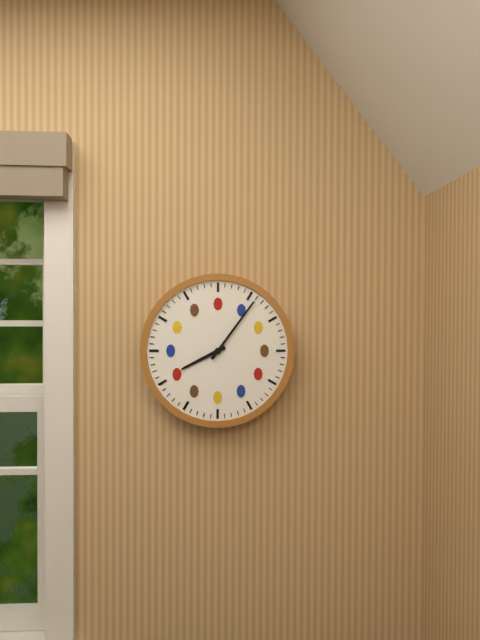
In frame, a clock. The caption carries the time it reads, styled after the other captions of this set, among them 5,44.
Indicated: 8,06
